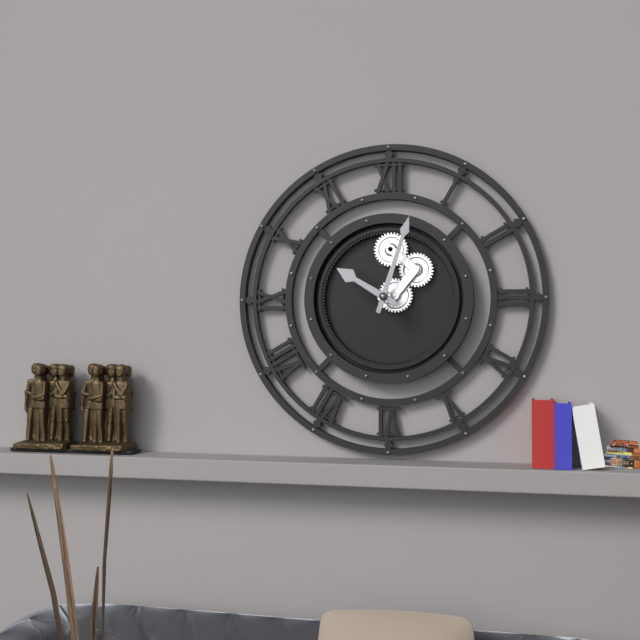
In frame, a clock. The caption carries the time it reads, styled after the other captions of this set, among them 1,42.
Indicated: 10,03
